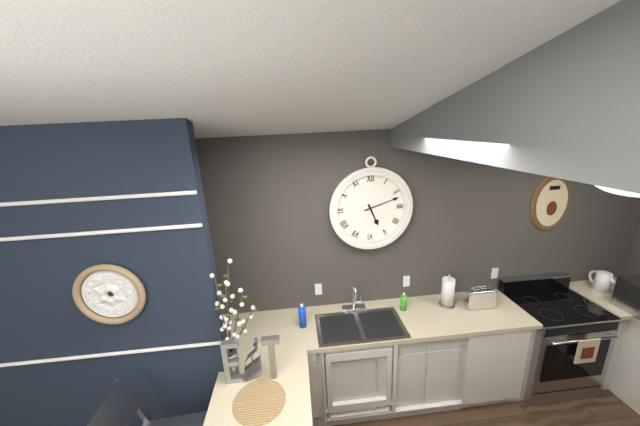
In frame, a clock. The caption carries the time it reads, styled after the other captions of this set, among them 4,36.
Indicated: 5,12
